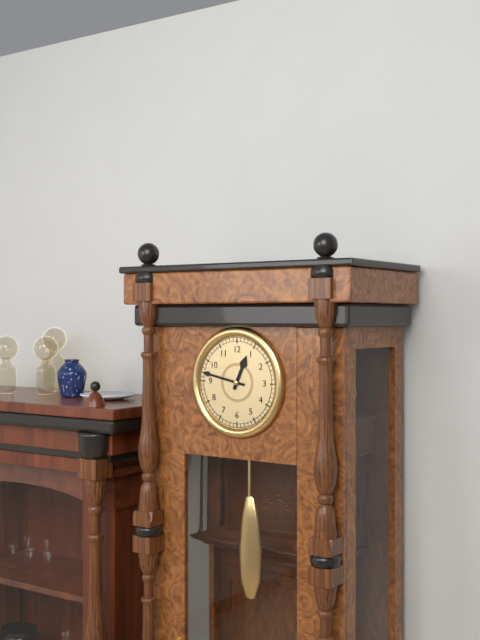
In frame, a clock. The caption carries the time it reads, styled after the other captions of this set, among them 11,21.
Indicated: 12,47
